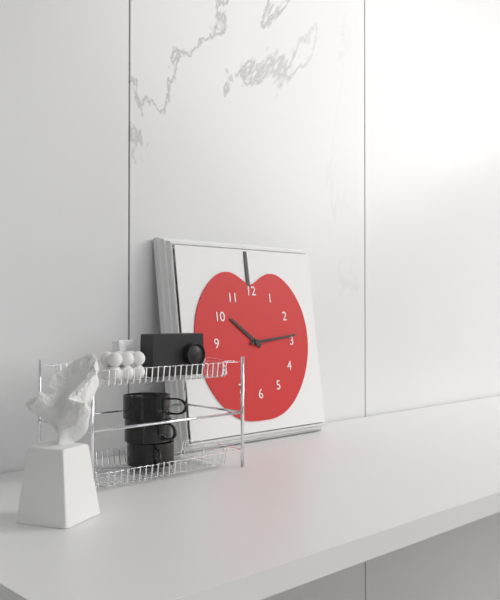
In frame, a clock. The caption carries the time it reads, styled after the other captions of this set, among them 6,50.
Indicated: 10,14
